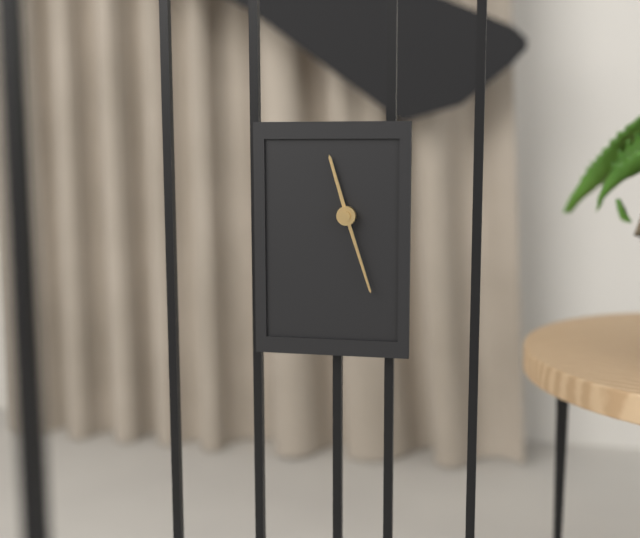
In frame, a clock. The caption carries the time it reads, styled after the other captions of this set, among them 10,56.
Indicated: 11,27
